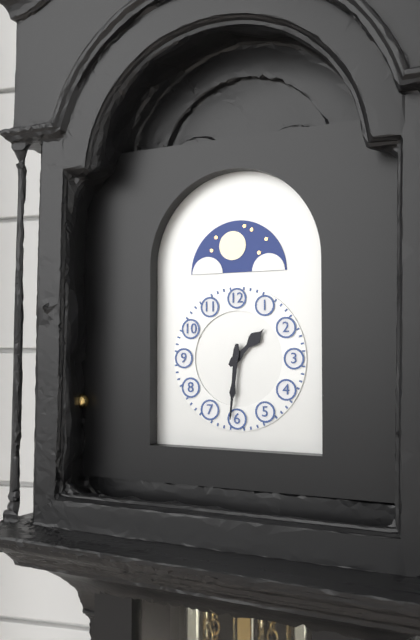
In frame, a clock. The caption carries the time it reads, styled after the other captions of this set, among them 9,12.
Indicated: 1,31
